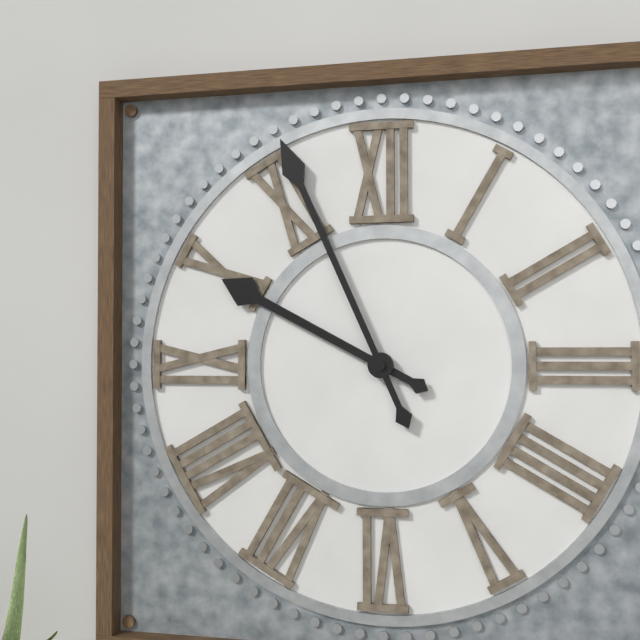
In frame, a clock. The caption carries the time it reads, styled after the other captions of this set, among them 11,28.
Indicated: 9,56
